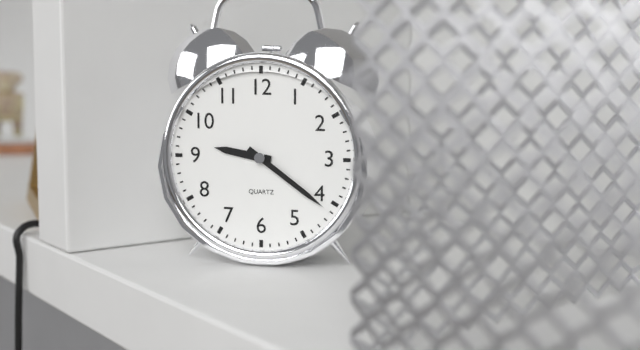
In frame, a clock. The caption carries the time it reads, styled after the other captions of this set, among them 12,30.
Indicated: 9,21
